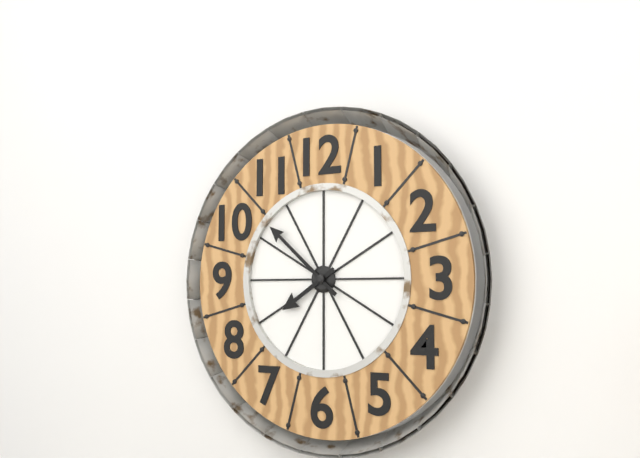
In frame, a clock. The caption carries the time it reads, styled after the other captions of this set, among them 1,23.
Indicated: 7,52
